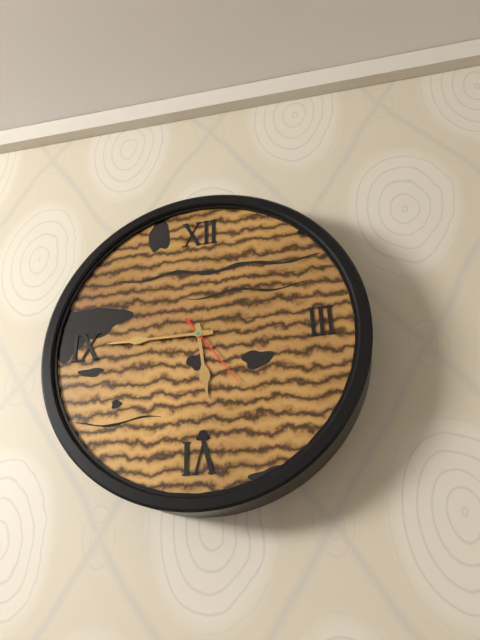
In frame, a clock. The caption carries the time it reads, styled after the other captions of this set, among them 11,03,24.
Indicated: 5,45,24
